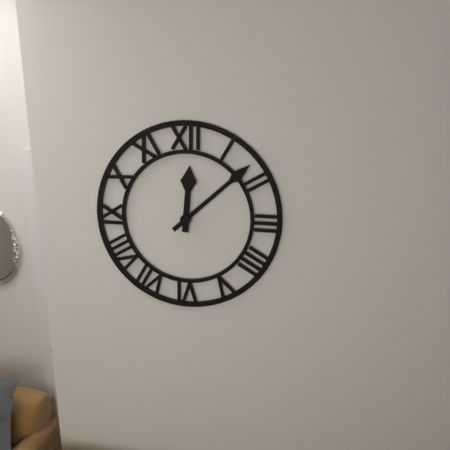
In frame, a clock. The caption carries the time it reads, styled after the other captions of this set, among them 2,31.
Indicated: 12,08
